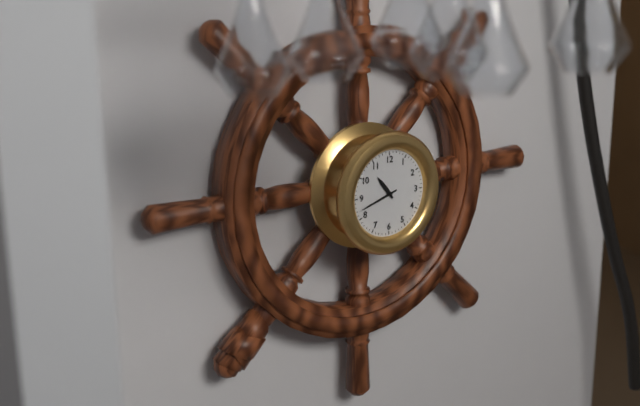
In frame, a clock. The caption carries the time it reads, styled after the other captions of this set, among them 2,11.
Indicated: 10,42
